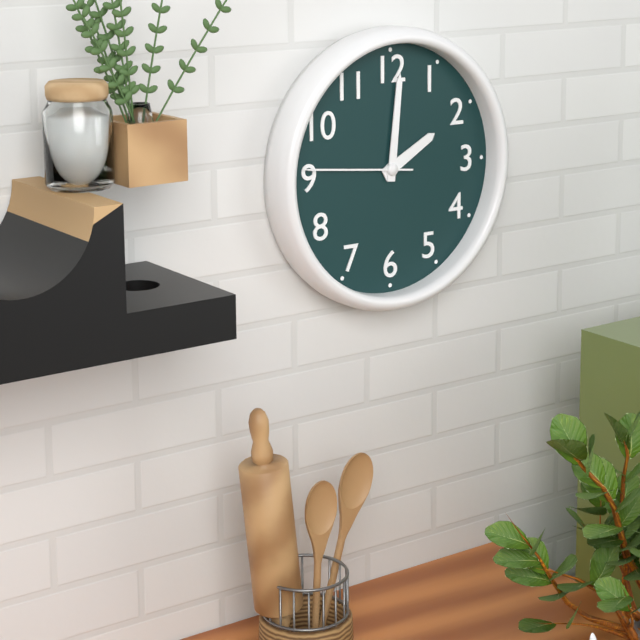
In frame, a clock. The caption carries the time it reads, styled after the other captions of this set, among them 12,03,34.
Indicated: 2,01,46
